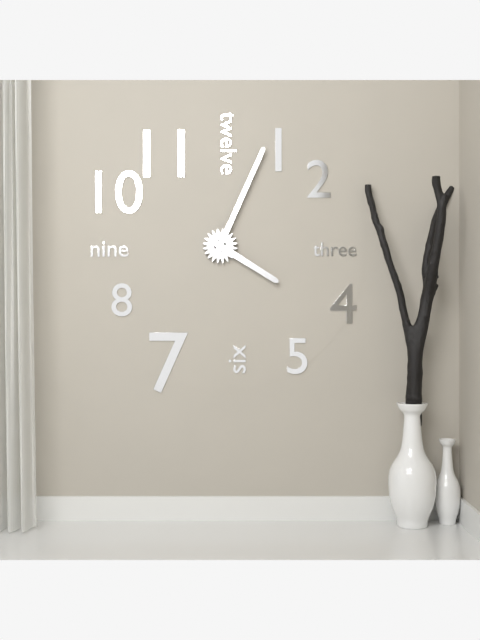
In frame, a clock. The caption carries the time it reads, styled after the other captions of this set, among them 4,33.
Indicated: 4,04
